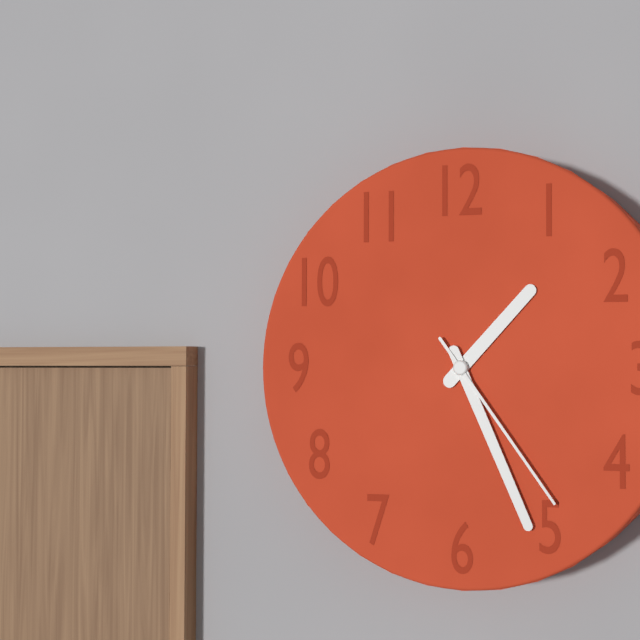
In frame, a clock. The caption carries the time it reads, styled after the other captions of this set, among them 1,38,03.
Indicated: 1,26,24
